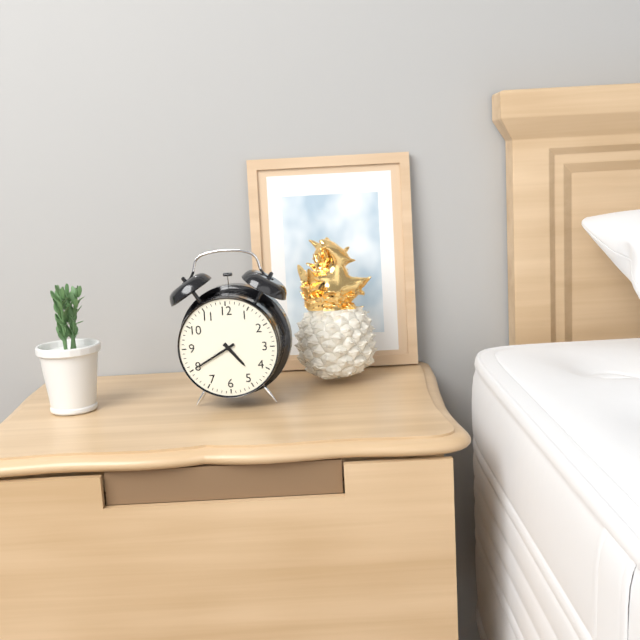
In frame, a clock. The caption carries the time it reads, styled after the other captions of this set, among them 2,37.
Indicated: 4,40
